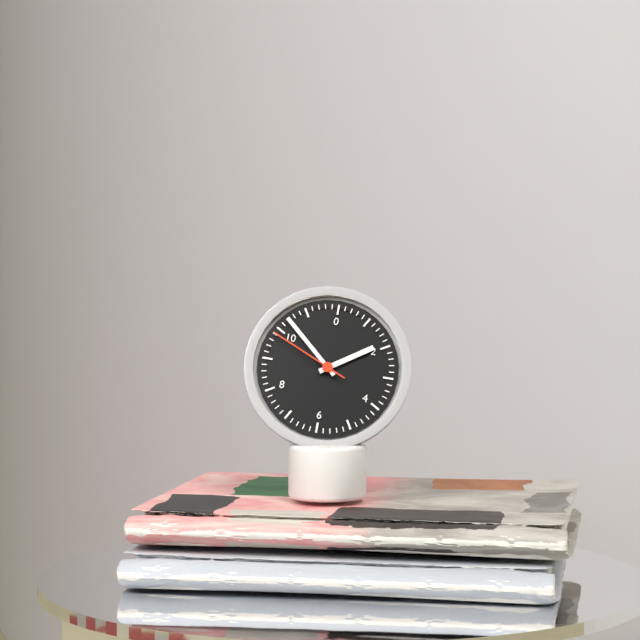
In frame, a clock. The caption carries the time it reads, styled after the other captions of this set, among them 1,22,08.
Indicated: 1,52,49
